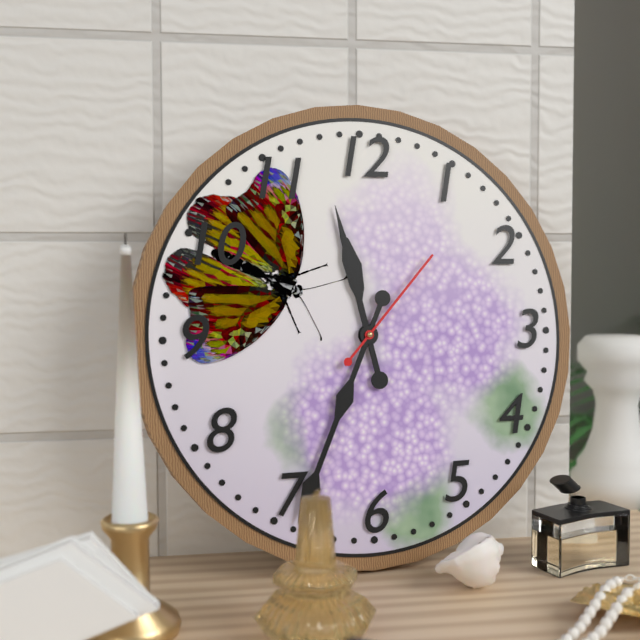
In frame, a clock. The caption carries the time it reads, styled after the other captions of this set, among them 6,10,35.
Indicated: 11,34,07
